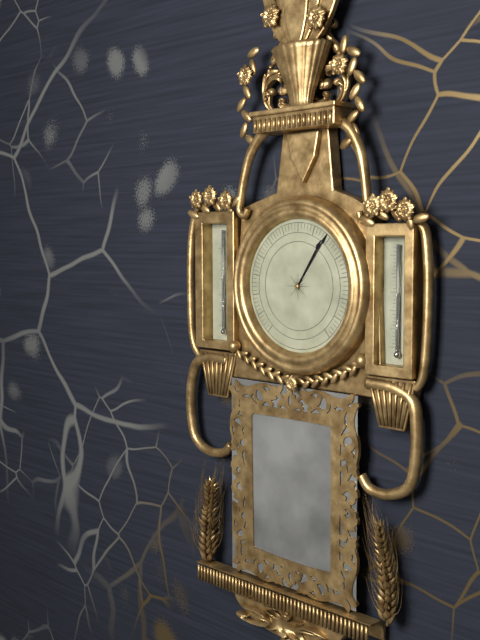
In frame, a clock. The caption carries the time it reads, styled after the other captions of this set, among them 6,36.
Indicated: 1,06
